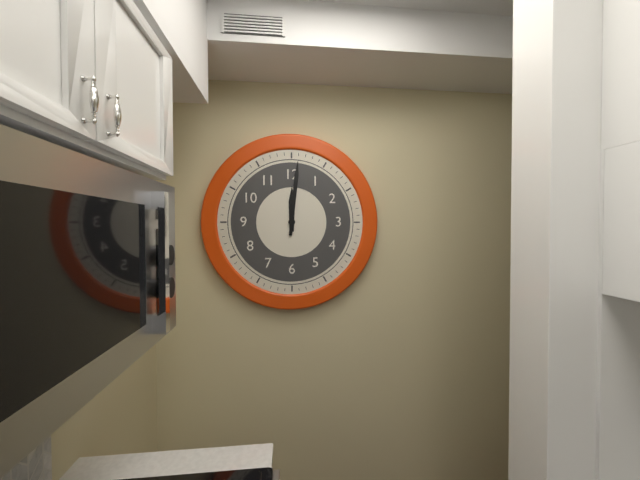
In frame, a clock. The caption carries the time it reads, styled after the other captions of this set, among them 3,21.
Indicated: 12,01
